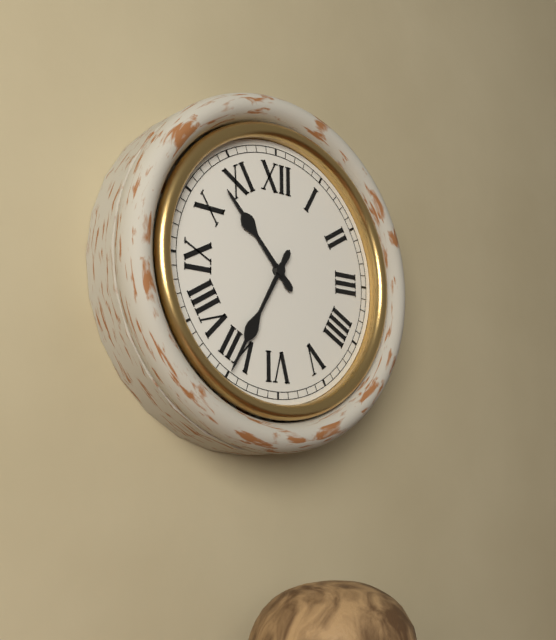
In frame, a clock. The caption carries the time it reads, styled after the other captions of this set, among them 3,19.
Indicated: 10,35
